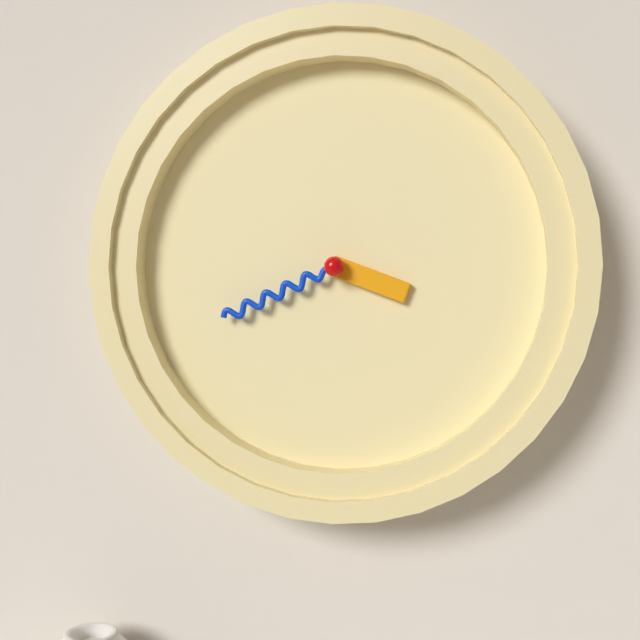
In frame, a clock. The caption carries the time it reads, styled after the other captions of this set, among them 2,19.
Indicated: 3,41
